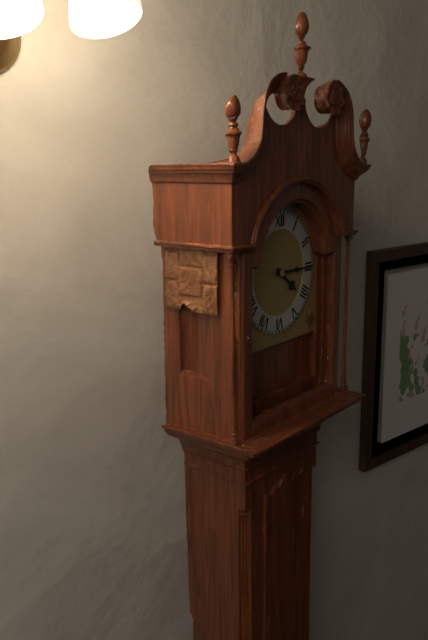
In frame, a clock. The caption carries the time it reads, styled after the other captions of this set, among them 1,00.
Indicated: 4,15
